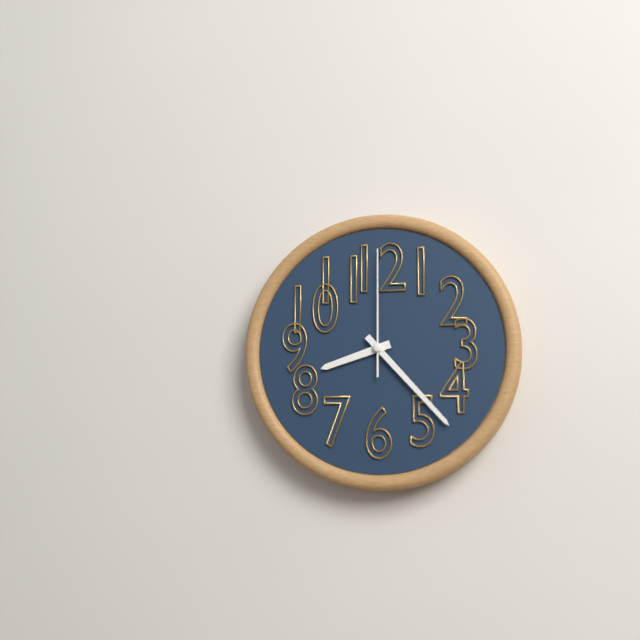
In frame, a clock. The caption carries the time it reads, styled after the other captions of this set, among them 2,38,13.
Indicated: 8,23,00
